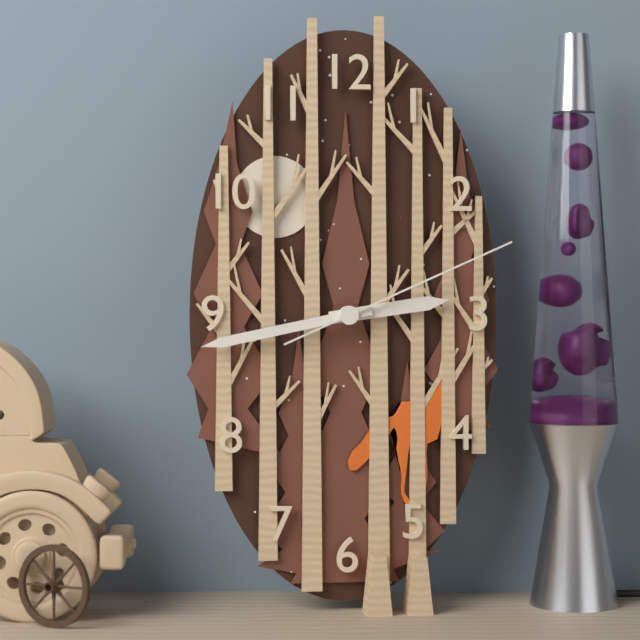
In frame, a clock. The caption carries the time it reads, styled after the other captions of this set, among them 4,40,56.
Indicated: 2,43,11
